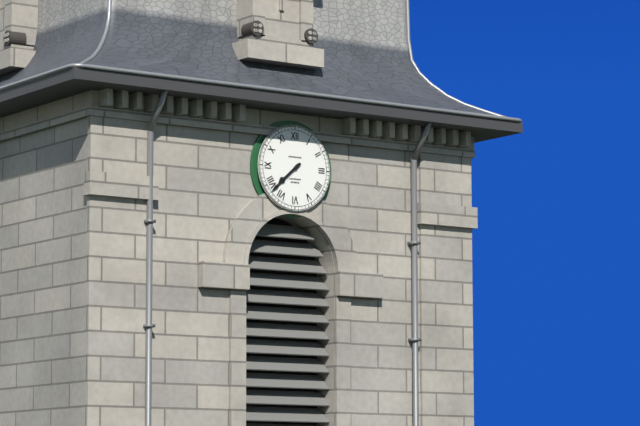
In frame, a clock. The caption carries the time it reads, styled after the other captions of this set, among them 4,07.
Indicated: 7,38
